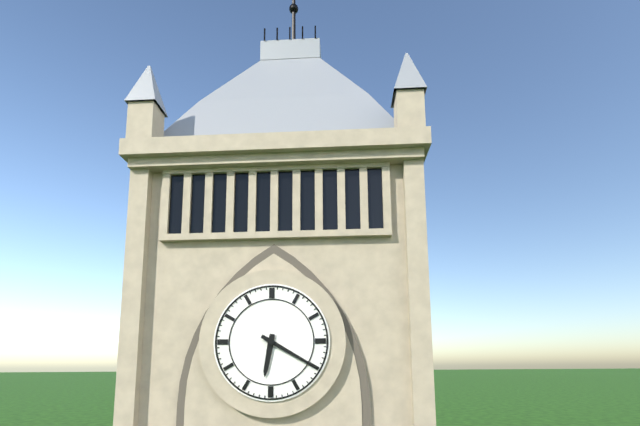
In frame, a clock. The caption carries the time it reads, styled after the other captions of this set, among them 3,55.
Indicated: 6,20
